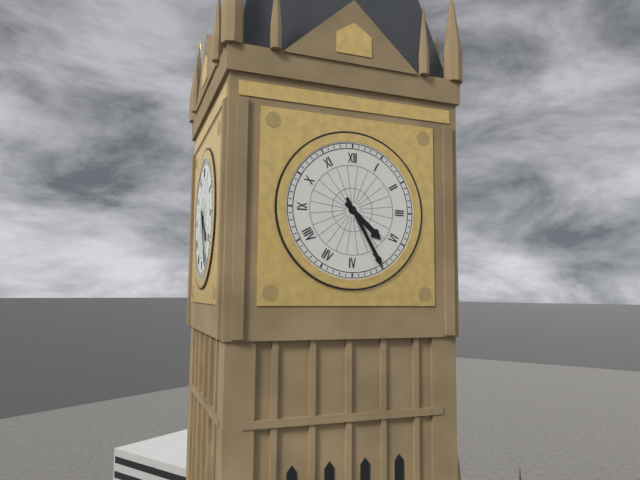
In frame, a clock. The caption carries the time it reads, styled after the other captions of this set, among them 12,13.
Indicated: 4,25
